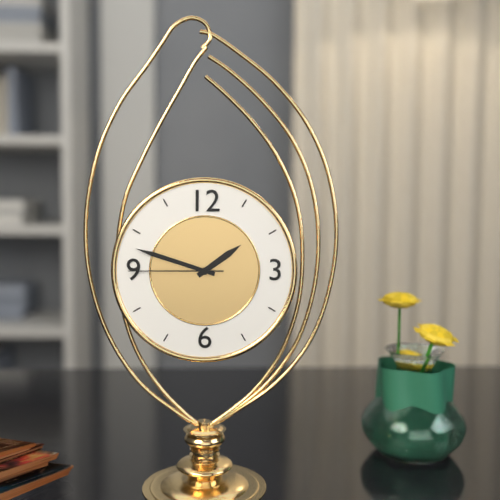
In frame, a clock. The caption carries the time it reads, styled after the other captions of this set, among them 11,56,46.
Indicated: 1,48,45
